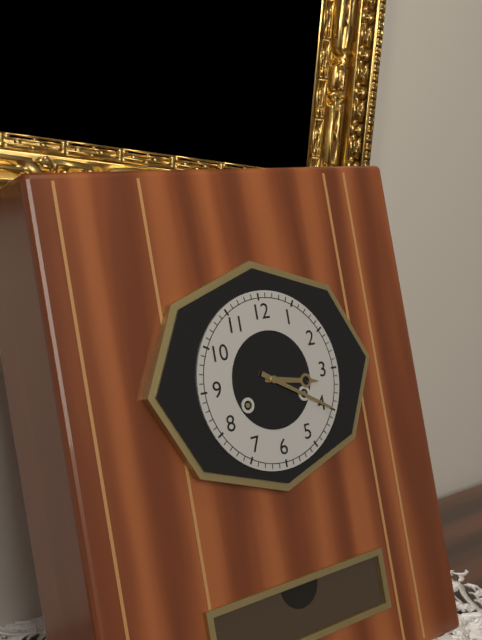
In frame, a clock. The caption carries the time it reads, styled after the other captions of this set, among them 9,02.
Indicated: 3,20
